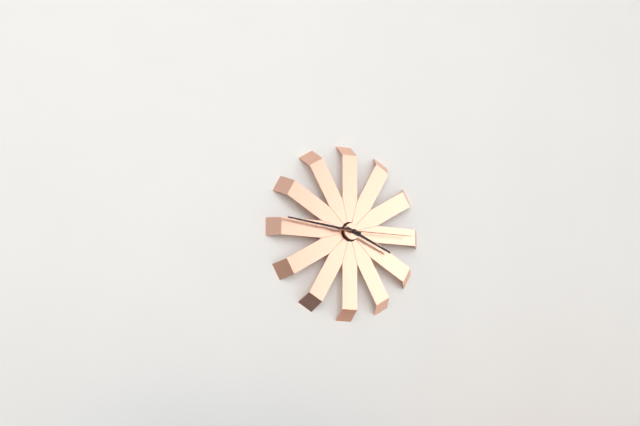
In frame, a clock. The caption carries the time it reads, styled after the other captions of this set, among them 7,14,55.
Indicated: 3,46,15
